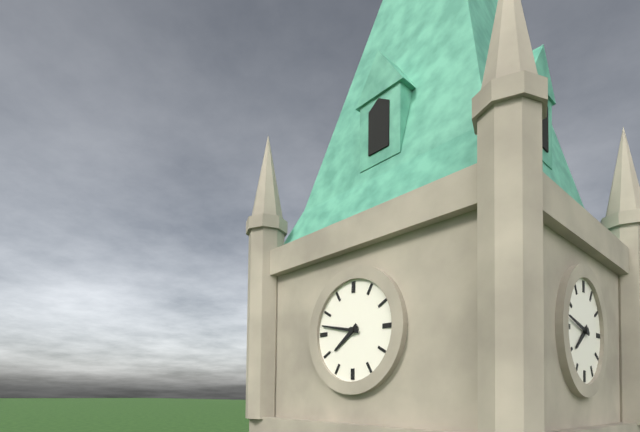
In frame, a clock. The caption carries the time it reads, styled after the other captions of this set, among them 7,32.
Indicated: 7,47
